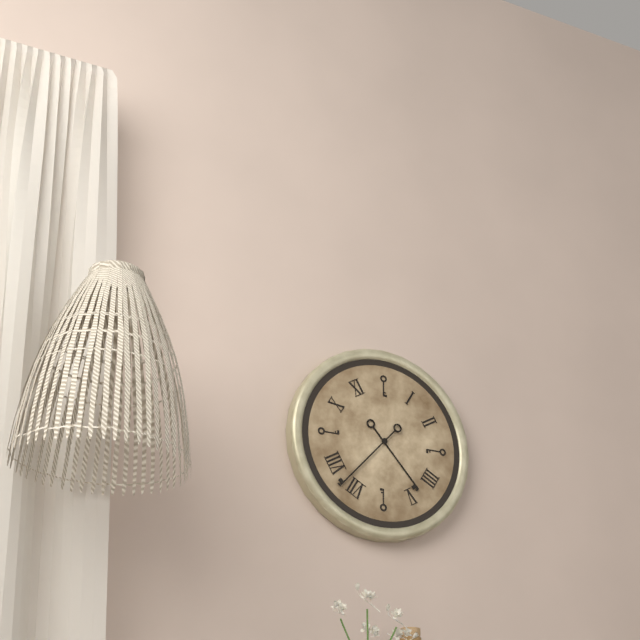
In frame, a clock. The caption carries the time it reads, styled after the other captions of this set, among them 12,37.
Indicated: 4,37
